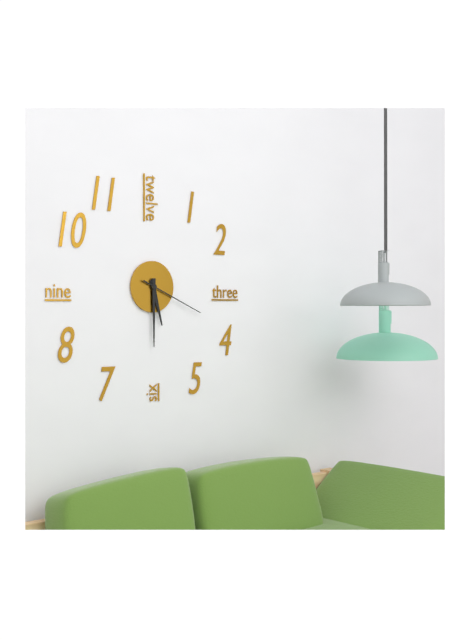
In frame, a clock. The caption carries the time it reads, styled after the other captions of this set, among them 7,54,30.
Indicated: 5,30,19
